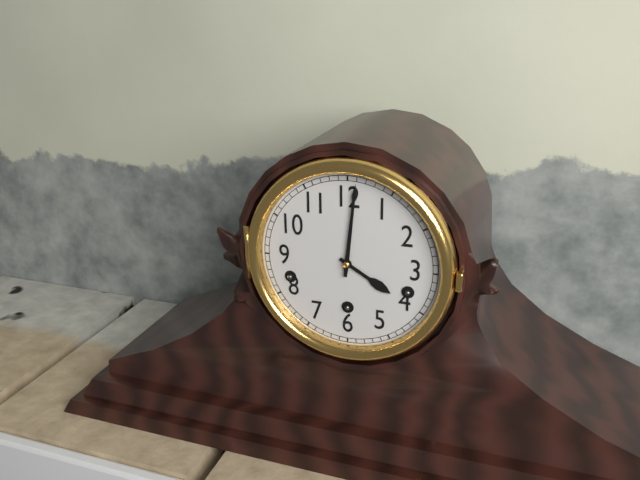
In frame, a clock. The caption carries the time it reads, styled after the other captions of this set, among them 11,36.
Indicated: 4,01
